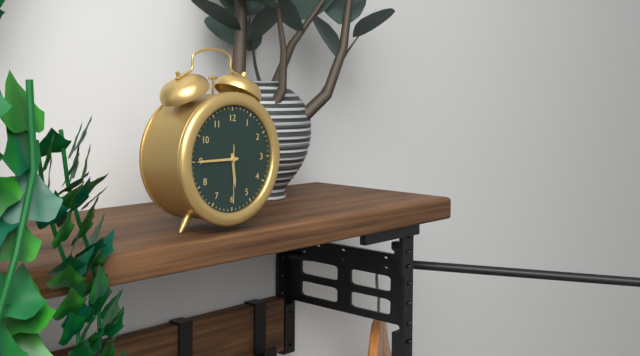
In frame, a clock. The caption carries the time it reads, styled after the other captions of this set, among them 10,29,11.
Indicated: 5,45,30
